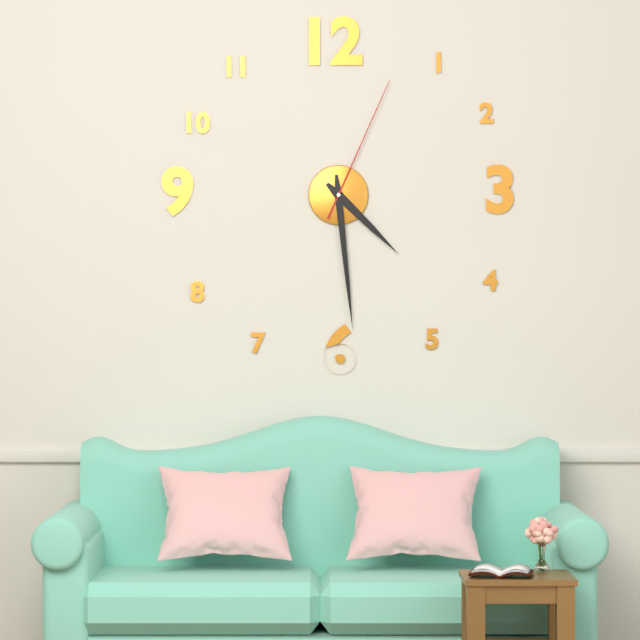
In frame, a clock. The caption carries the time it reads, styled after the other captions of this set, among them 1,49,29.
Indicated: 4,29,04
